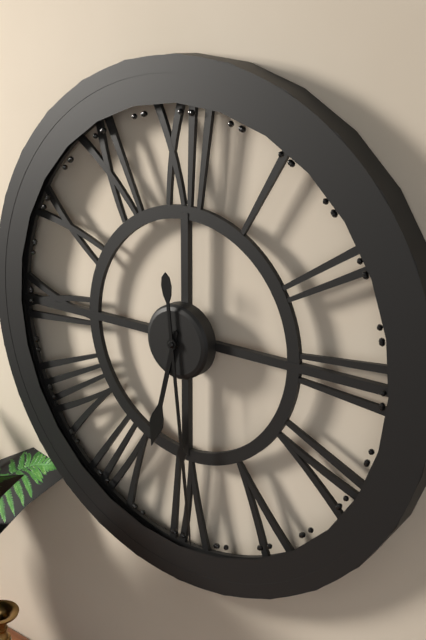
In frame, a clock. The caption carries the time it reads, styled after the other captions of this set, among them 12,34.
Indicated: 6,29
